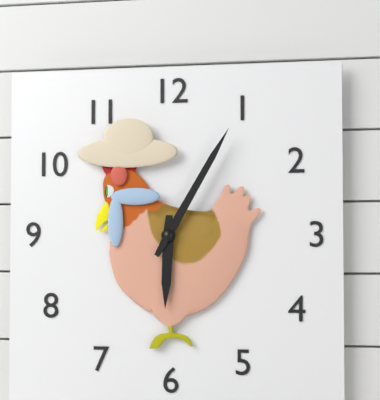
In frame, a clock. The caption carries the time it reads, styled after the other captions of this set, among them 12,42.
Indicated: 6,05
